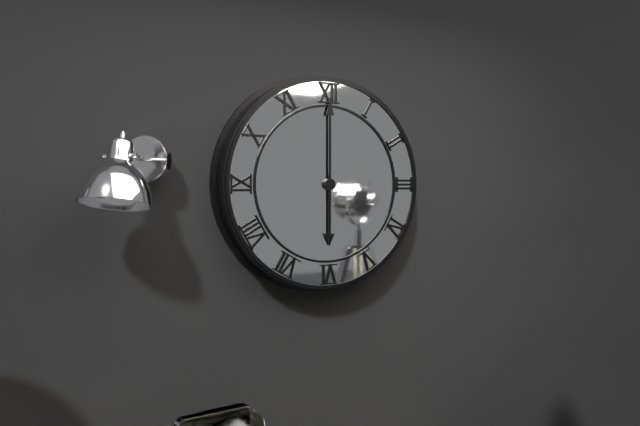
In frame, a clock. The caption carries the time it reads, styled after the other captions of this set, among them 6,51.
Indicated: 6,00
